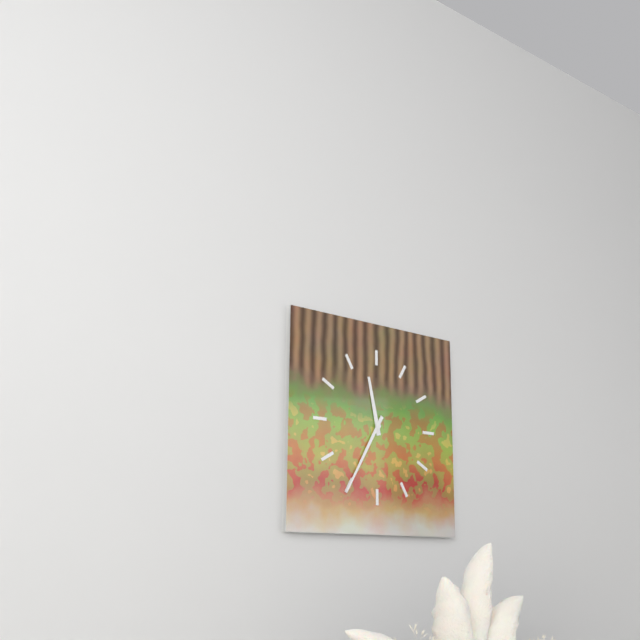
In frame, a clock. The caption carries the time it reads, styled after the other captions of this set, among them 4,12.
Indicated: 11,35
